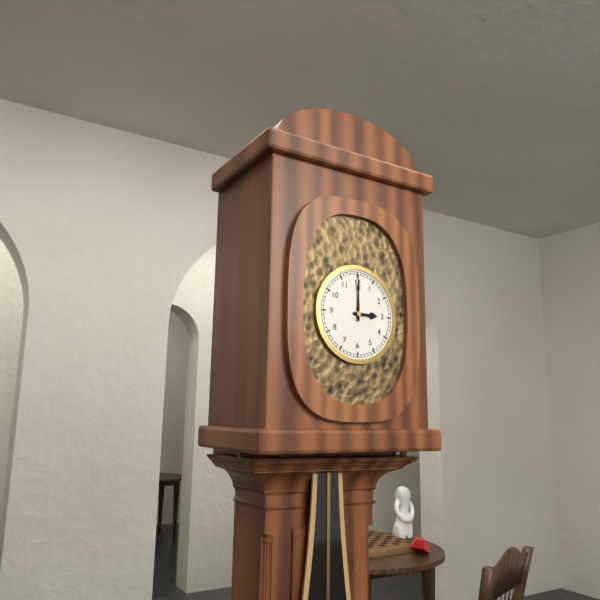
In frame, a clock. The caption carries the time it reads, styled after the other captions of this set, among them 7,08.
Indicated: 3,00
